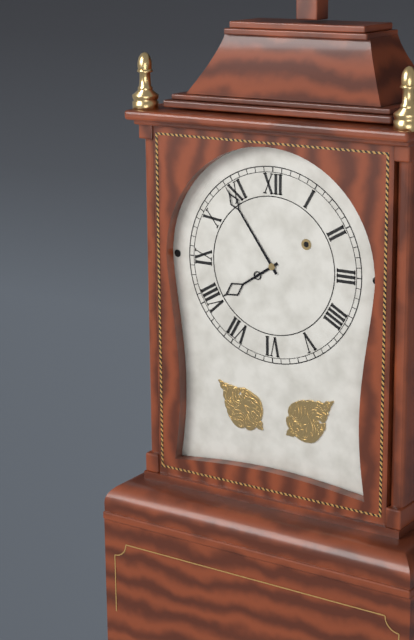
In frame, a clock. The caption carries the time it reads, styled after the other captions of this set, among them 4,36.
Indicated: 7,54
